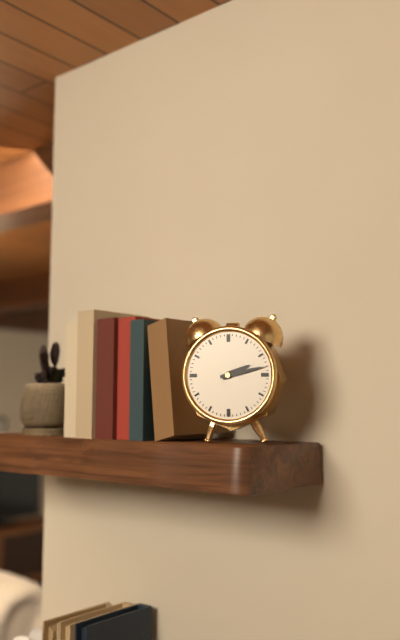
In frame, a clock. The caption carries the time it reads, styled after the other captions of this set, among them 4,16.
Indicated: 2,13
